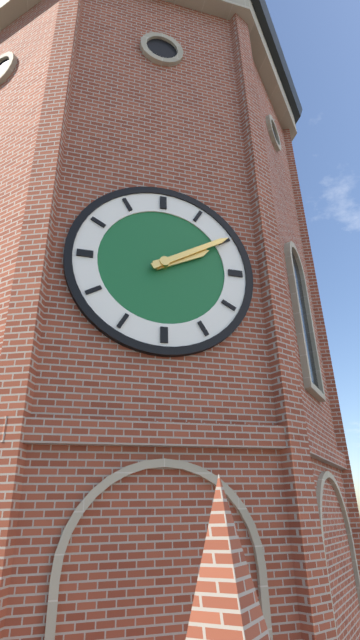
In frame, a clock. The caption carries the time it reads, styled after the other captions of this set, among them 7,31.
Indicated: 2,10
